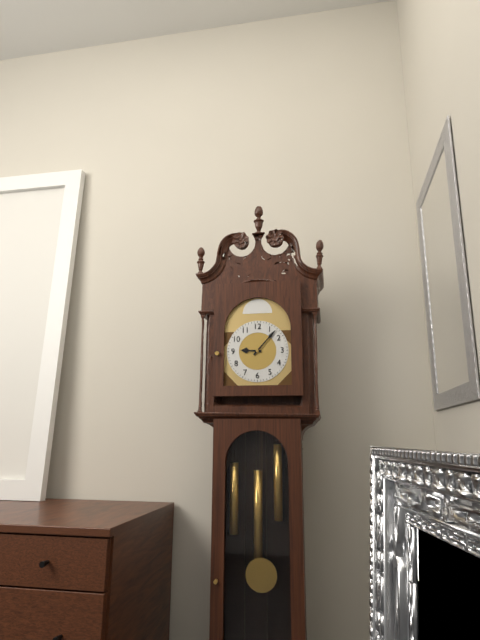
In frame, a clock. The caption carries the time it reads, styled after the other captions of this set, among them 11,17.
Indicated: 9,07
